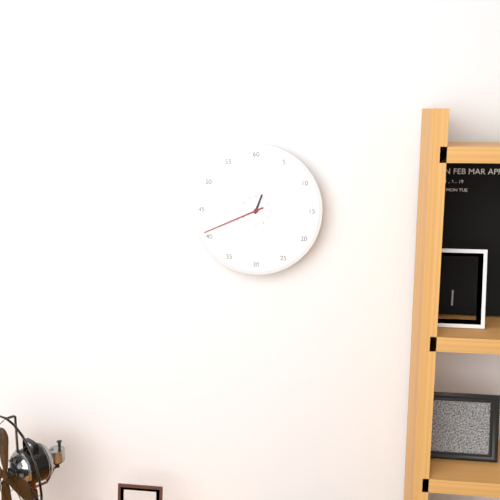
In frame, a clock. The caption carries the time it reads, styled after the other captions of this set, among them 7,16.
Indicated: 12,41
